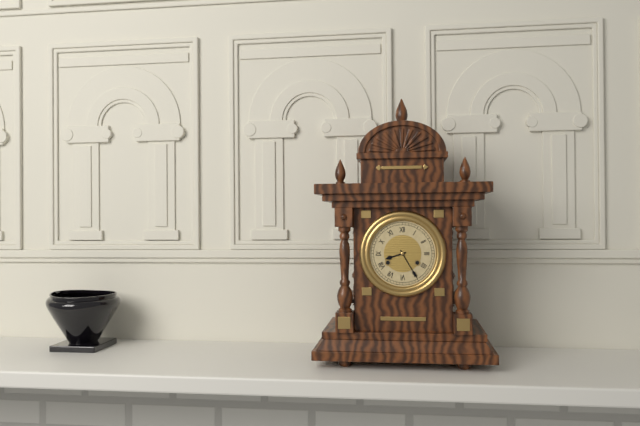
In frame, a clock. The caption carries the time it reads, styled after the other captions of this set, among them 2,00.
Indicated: 8,25
